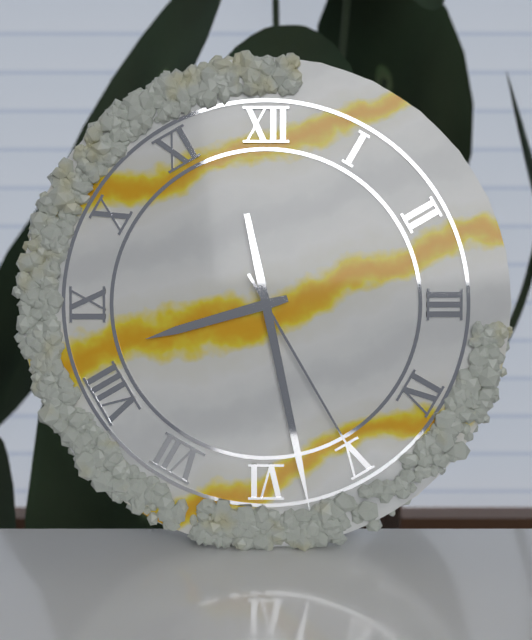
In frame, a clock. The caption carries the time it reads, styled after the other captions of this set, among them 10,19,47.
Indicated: 8,28,25
